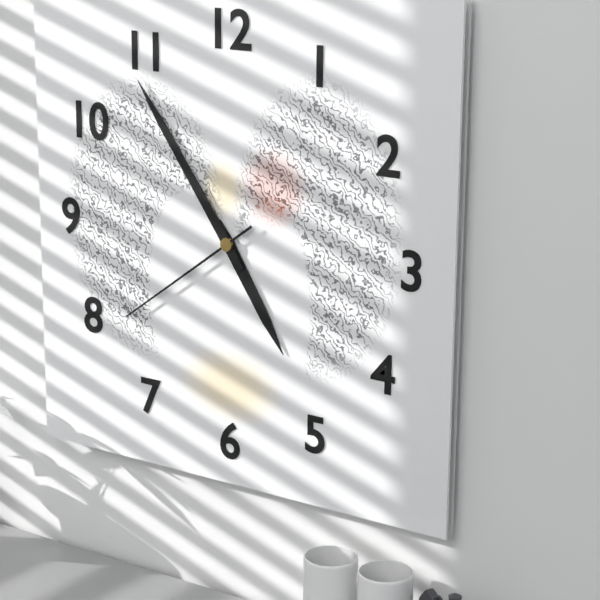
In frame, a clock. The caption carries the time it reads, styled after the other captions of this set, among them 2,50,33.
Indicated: 4,54,39
